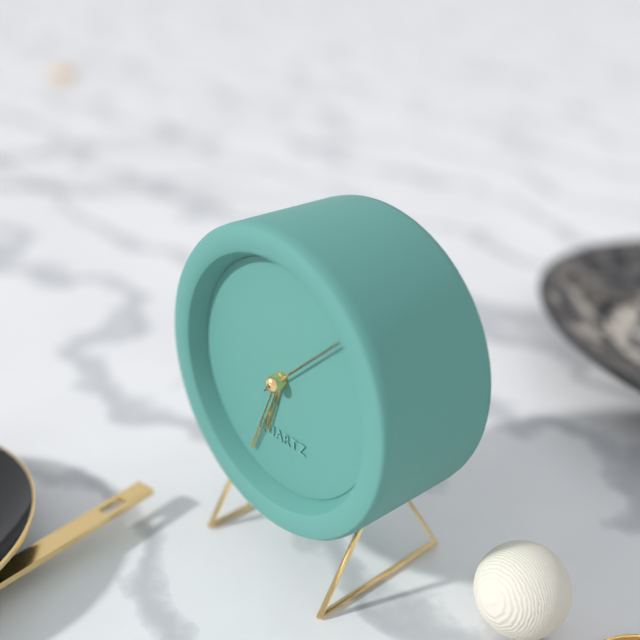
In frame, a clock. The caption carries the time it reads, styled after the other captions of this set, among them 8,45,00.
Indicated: 6,34,08
